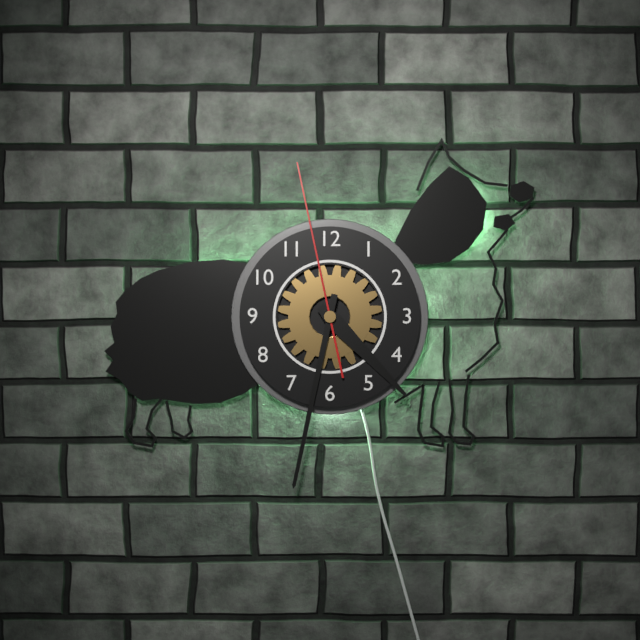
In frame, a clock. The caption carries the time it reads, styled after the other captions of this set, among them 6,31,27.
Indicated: 4,32,58
